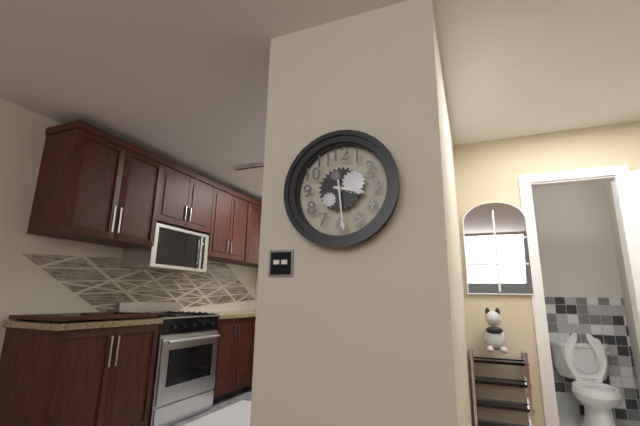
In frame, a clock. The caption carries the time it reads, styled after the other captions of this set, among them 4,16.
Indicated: 3,29
